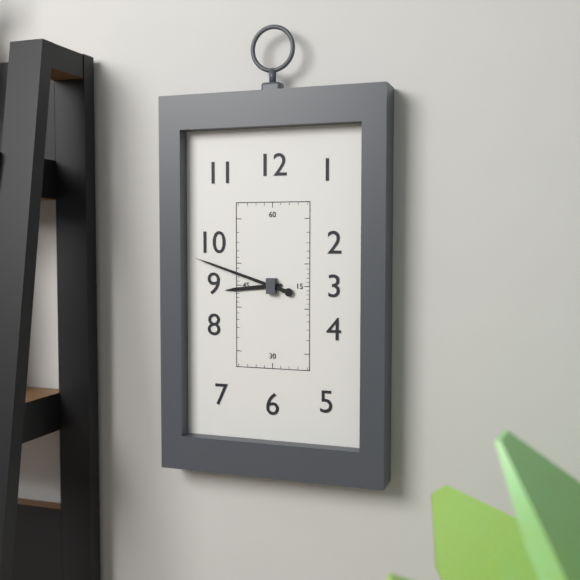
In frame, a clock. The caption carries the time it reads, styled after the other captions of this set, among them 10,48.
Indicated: 8,48
